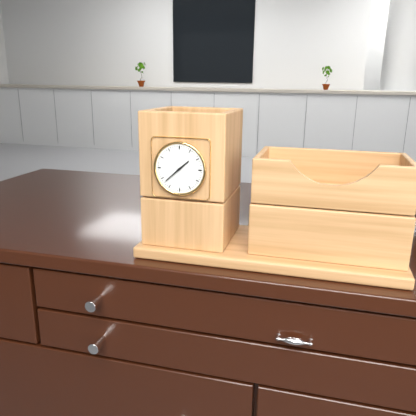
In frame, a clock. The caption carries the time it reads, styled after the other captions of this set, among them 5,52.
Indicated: 1,38
